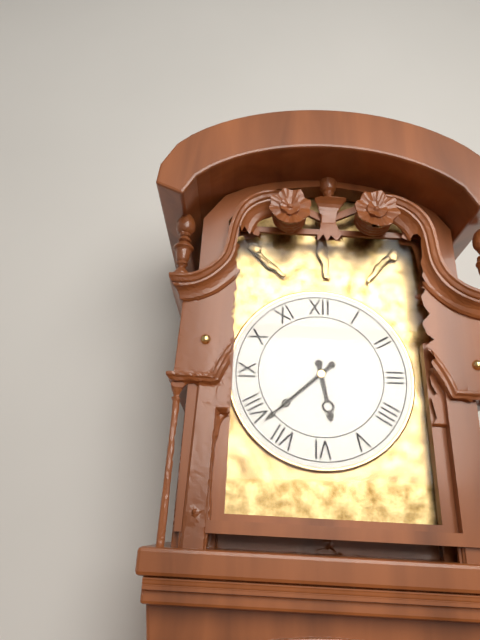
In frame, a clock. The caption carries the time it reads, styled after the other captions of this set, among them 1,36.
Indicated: 5,38
